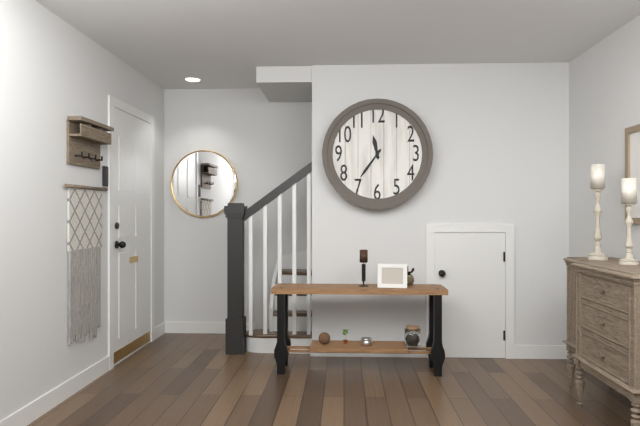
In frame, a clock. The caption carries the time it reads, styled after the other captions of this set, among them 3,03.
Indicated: 11,36
